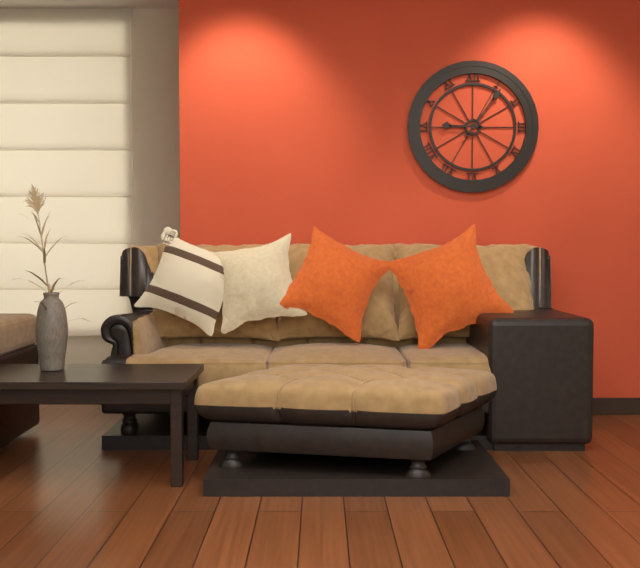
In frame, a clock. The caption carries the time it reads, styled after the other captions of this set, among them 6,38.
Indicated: 9,06
